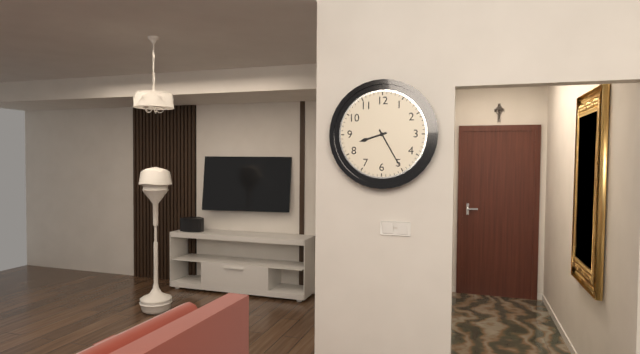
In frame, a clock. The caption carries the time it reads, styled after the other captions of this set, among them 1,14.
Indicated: 8,25
